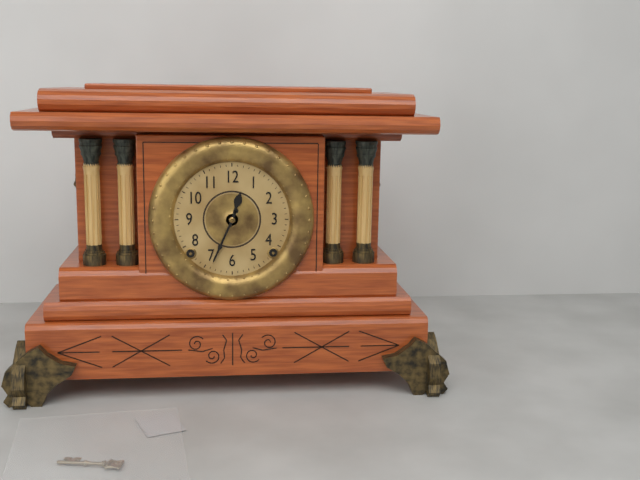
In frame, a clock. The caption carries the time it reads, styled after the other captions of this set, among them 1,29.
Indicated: 12,34
